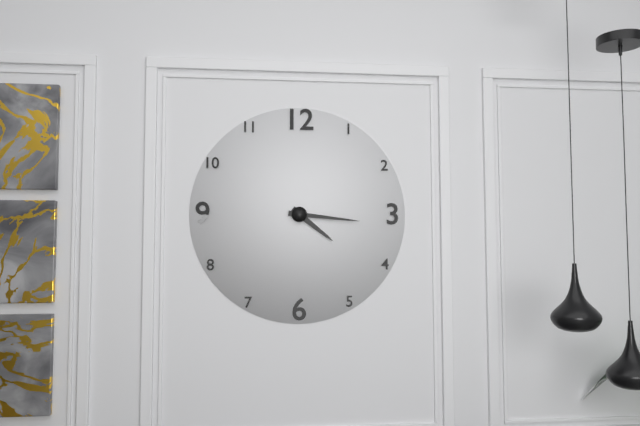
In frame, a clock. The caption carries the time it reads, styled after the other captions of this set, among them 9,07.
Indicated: 4,16
